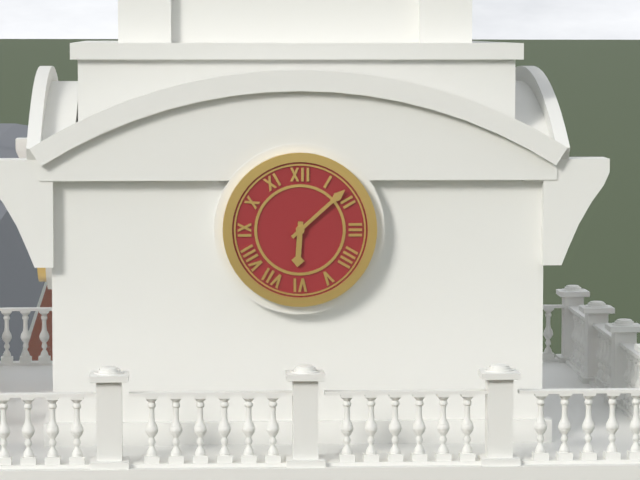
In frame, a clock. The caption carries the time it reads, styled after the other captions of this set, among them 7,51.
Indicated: 6,08
